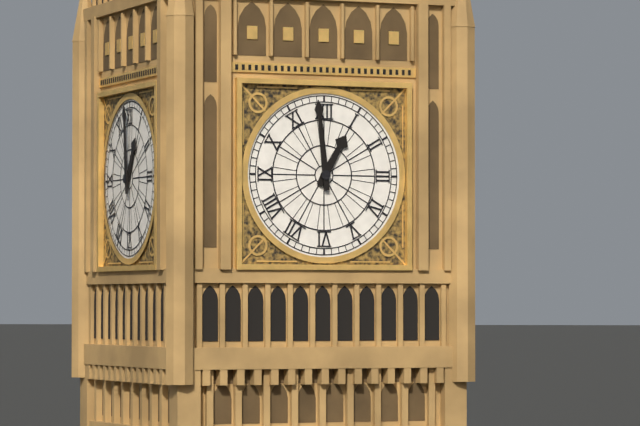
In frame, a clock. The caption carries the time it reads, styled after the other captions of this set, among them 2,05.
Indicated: 12,59
